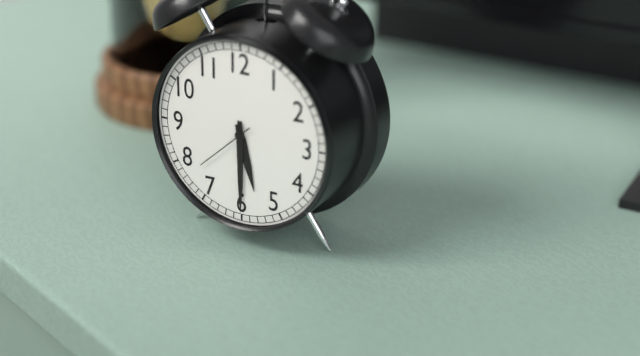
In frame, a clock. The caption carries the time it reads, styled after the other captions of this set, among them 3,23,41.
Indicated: 5,30,38
